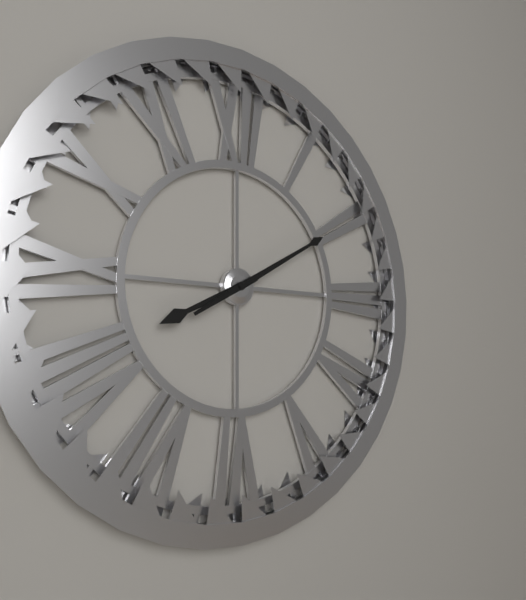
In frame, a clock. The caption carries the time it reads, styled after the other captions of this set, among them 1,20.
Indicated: 8,10
